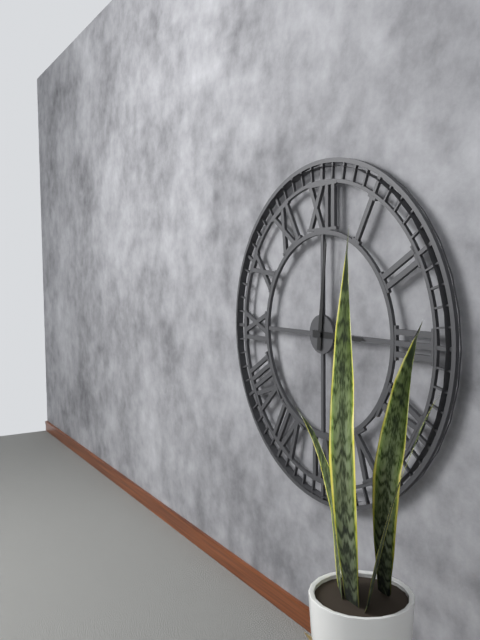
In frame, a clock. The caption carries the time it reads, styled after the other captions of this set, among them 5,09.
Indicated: 3,01
